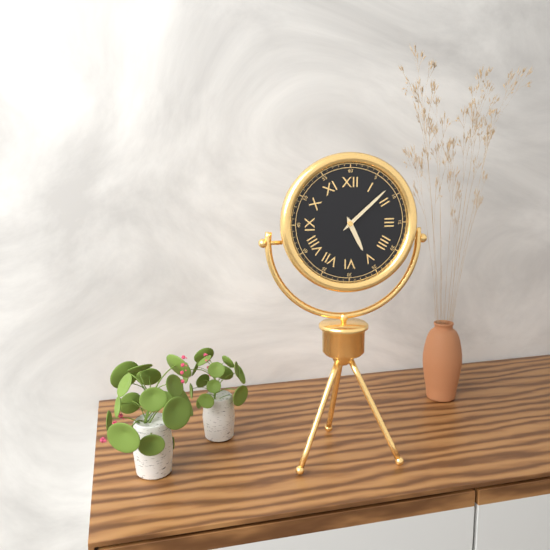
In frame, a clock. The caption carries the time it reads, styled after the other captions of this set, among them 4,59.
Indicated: 5,08
